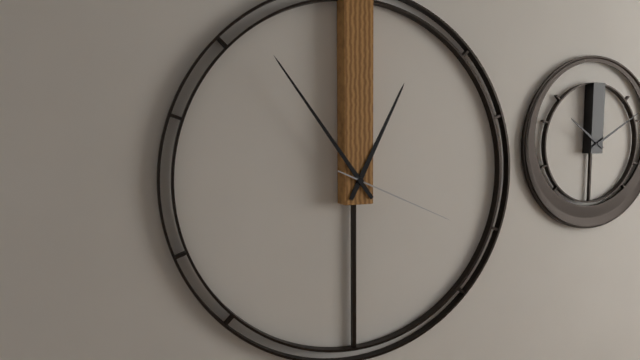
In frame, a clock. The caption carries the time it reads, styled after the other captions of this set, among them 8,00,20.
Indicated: 12,54,19
